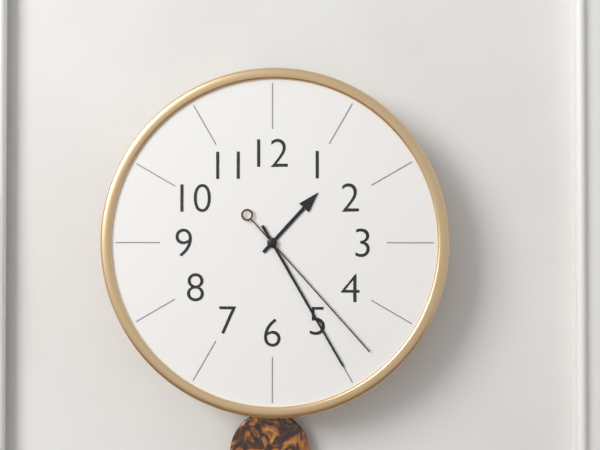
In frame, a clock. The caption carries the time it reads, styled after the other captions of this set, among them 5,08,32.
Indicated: 1,25,23
